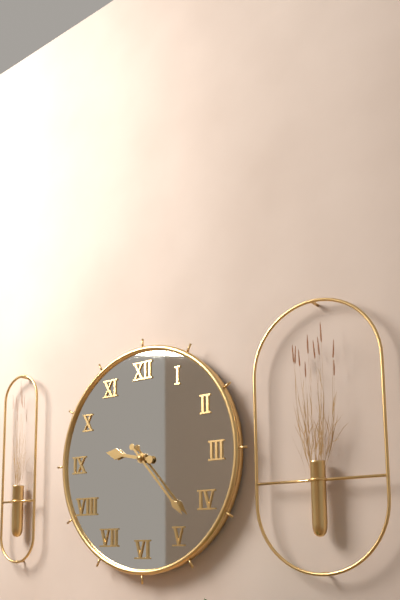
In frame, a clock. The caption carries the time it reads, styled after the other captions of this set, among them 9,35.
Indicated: 9,23
